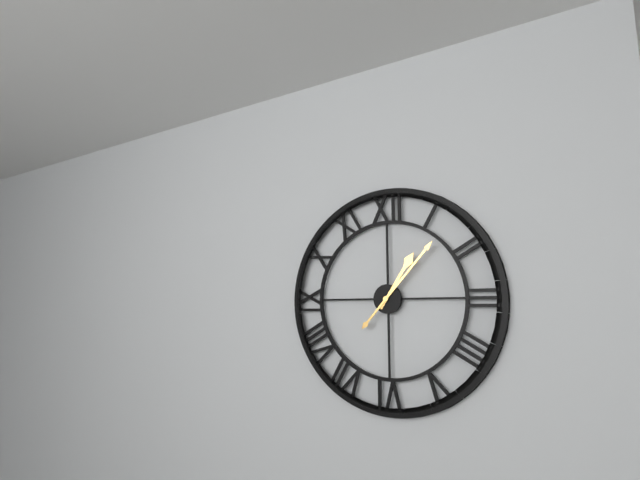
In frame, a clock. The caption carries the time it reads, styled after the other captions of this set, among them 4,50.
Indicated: 1,07
